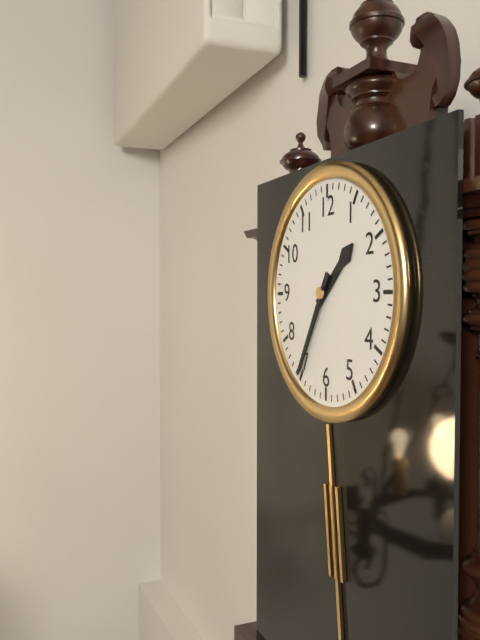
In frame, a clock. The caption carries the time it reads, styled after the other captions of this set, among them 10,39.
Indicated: 1,35
